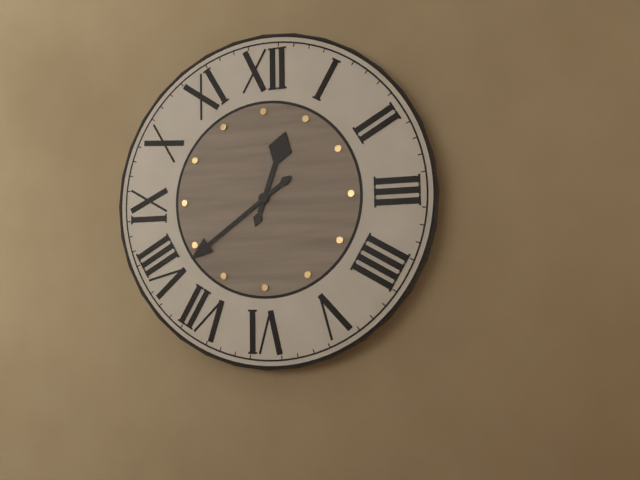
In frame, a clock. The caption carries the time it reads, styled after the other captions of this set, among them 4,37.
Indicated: 12,39
